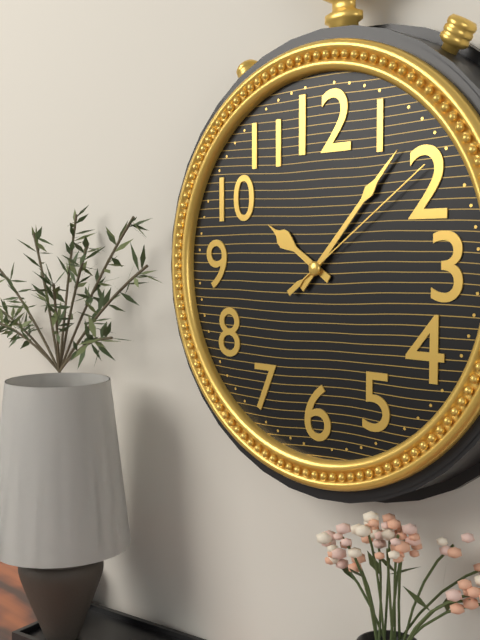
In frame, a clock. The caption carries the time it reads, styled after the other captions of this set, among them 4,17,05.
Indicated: 10,07,09
